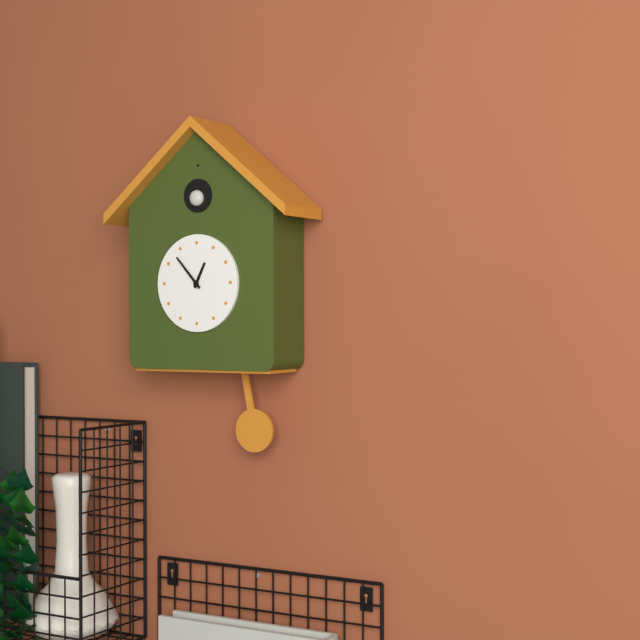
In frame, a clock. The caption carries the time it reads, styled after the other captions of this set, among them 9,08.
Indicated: 12,53
